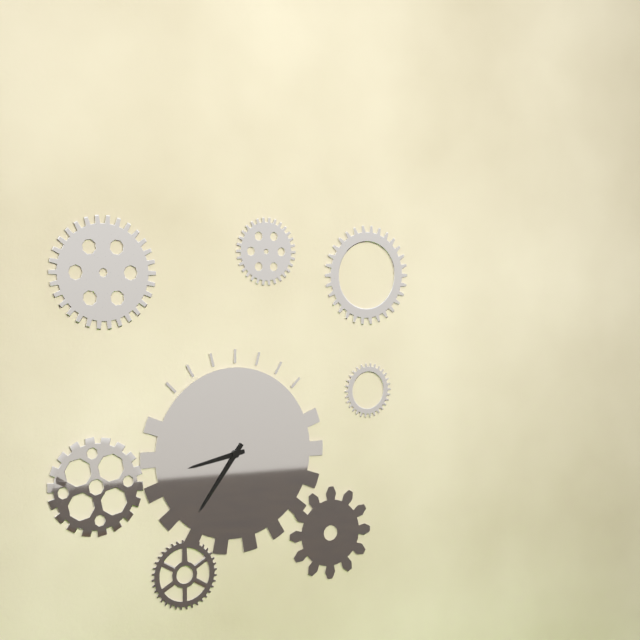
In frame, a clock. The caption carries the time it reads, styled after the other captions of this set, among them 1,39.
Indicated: 8,36
